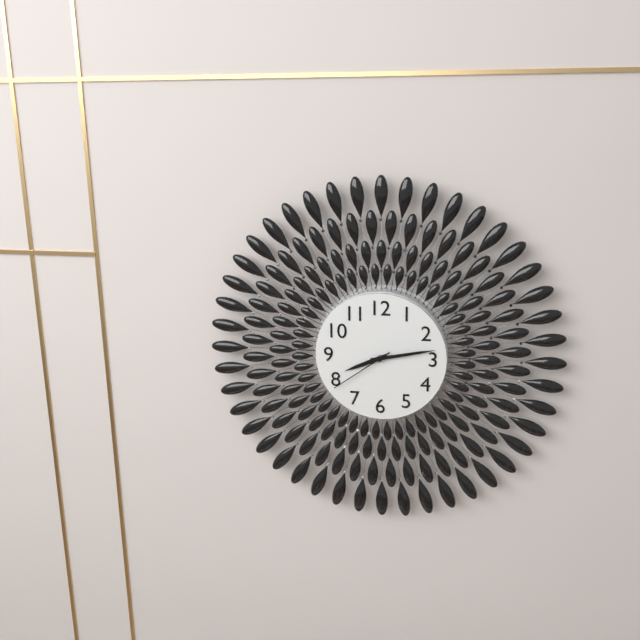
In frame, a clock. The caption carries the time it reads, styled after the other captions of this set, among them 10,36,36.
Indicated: 8,13,39
